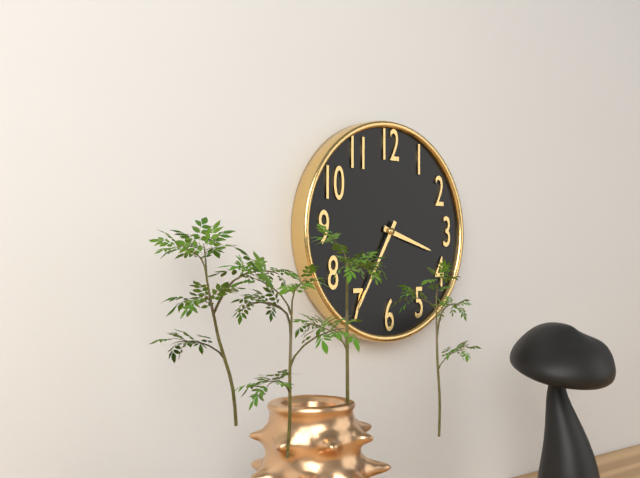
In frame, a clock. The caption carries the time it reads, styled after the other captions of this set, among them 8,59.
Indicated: 3,35
